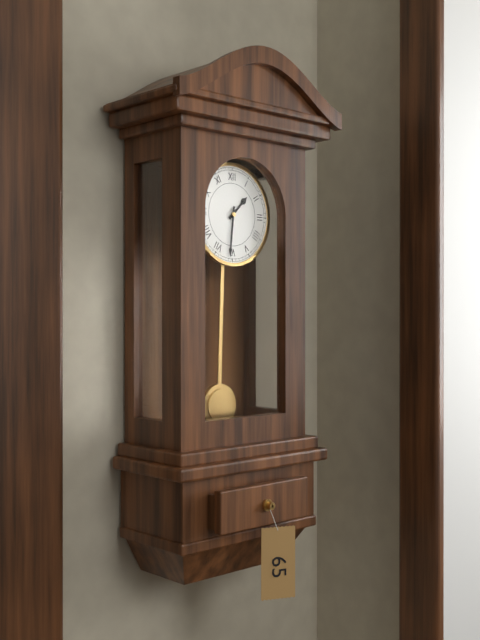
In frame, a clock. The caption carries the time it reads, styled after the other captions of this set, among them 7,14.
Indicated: 1,31
